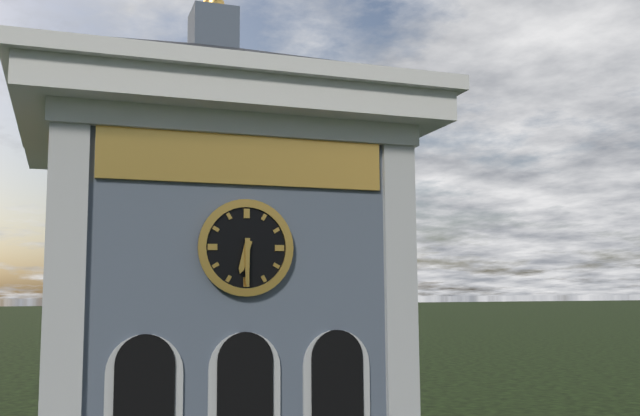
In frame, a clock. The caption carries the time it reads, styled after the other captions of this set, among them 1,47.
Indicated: 6,30
